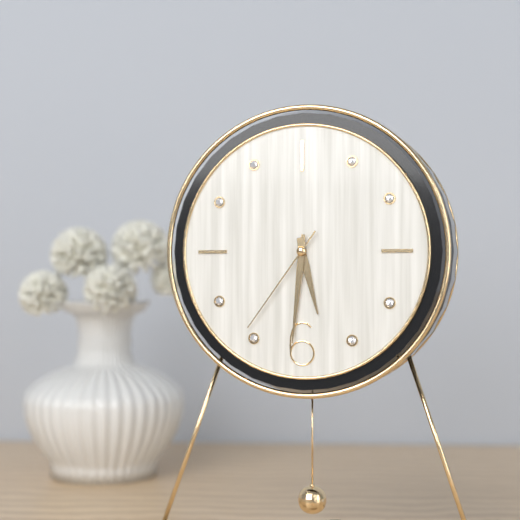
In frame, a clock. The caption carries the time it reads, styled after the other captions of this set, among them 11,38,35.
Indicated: 5,31,36
